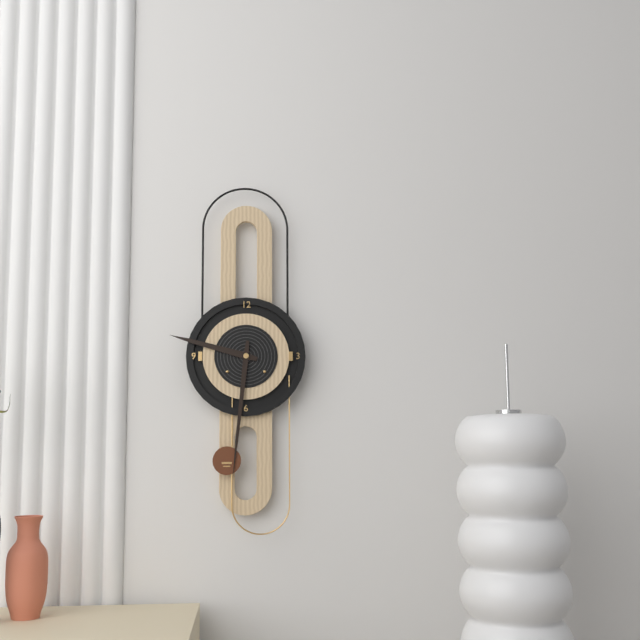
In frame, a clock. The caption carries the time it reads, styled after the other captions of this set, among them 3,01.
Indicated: 9,31
